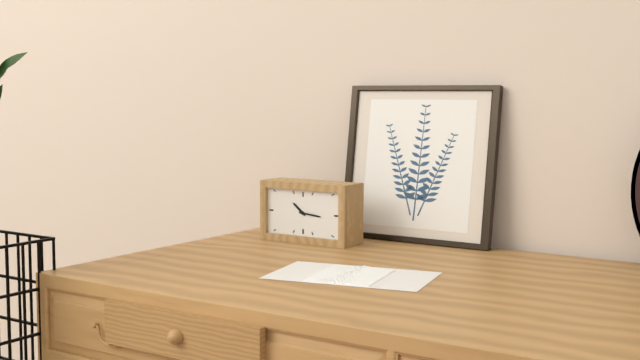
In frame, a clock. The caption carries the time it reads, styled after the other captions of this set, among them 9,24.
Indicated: 10,16
